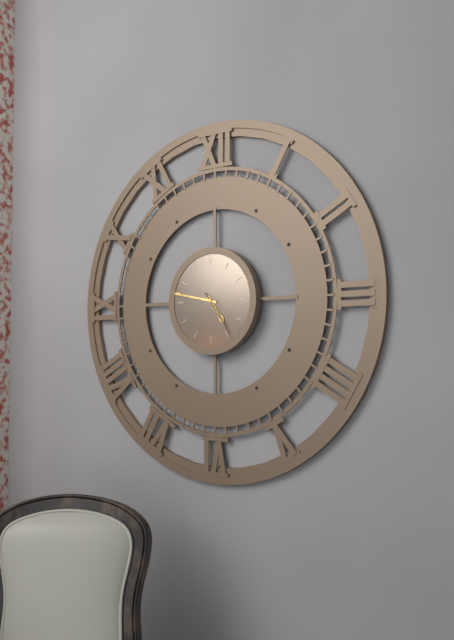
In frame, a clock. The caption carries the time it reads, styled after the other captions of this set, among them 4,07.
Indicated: 4,47
